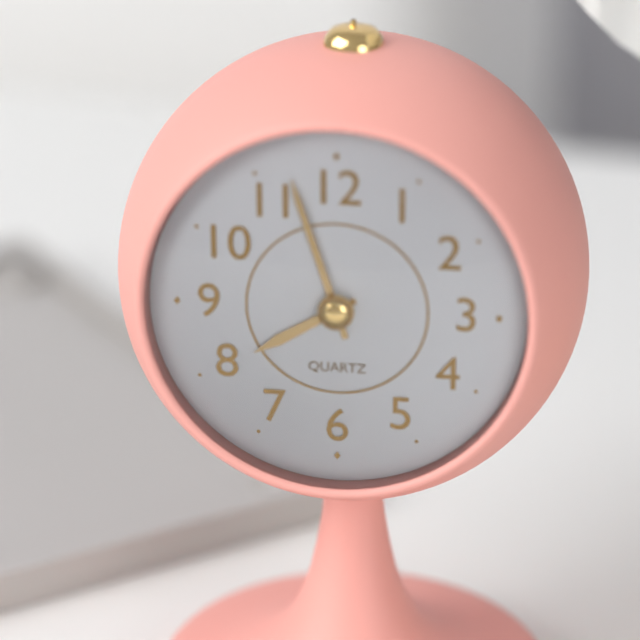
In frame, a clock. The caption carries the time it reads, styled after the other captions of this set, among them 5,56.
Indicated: 7,57
